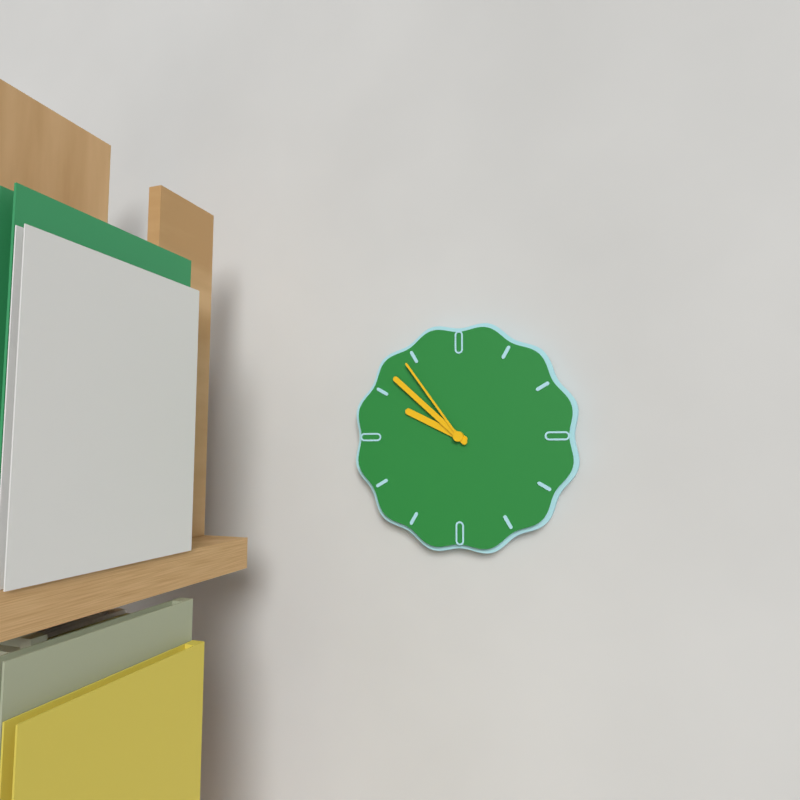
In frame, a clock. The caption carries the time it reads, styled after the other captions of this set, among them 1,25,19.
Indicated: 9,52,54
